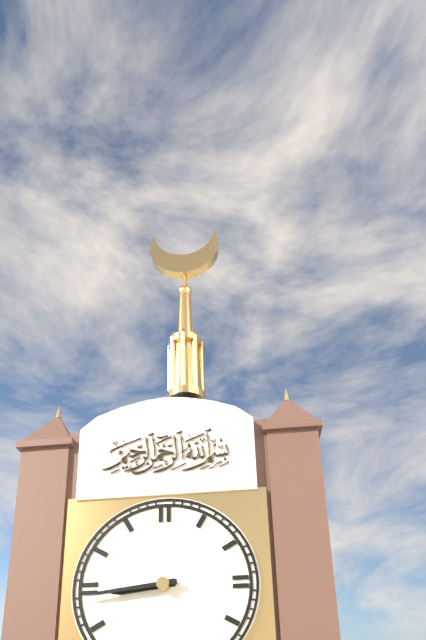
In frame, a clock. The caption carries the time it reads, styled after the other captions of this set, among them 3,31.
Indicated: 8,44
